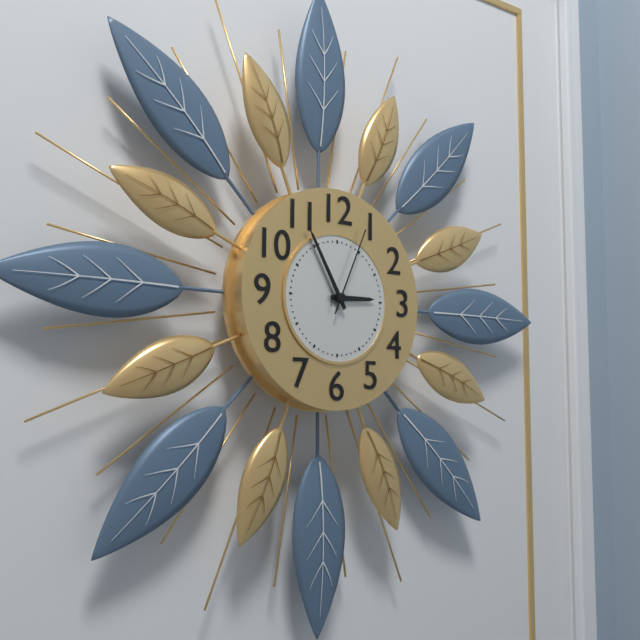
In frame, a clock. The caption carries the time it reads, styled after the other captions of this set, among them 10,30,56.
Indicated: 2,55,04
